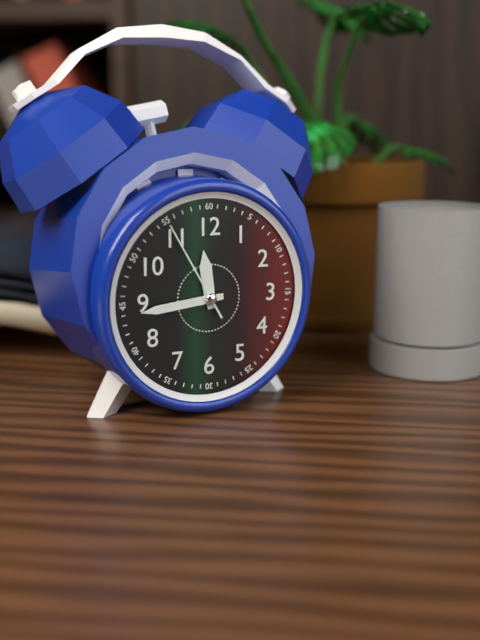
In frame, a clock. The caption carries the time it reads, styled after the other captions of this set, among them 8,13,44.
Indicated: 11,44,55
